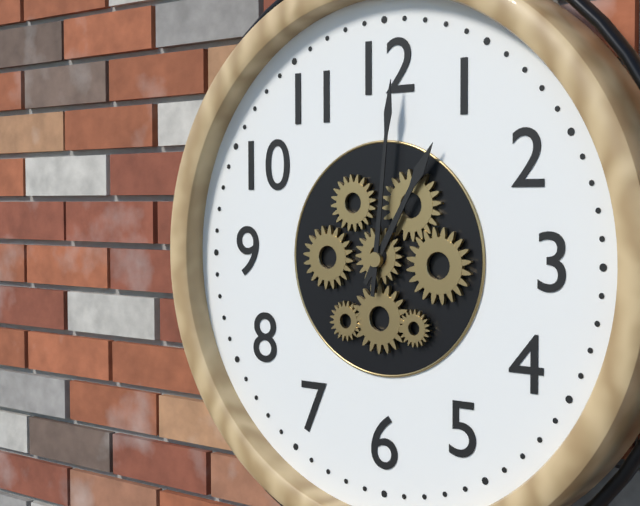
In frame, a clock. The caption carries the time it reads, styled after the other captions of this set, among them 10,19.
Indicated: 1,01
